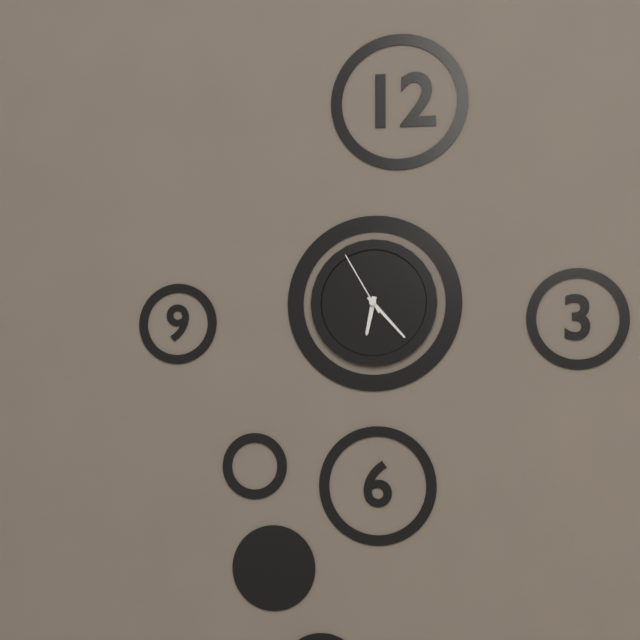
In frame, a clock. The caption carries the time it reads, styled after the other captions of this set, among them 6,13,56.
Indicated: 6,23,55
